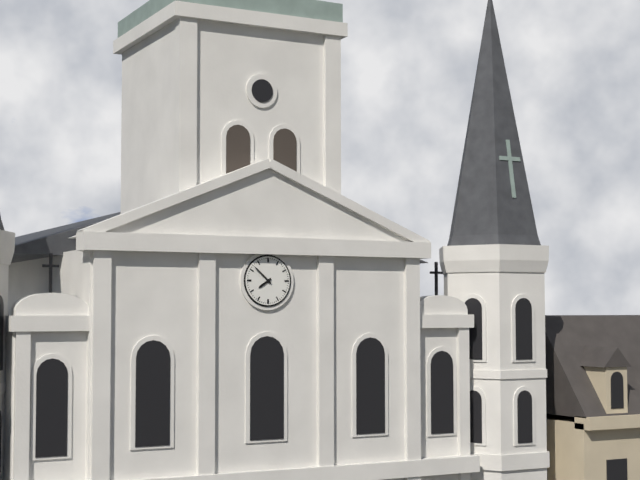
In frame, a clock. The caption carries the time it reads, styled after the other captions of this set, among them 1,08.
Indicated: 7,52
